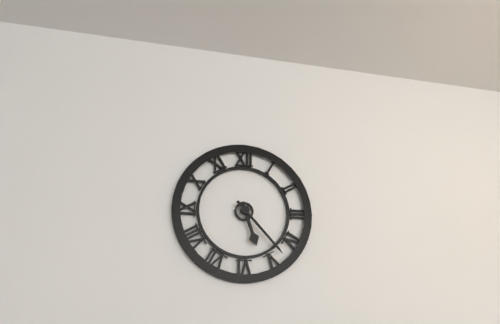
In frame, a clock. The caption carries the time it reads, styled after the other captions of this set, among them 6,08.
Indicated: 5,23
